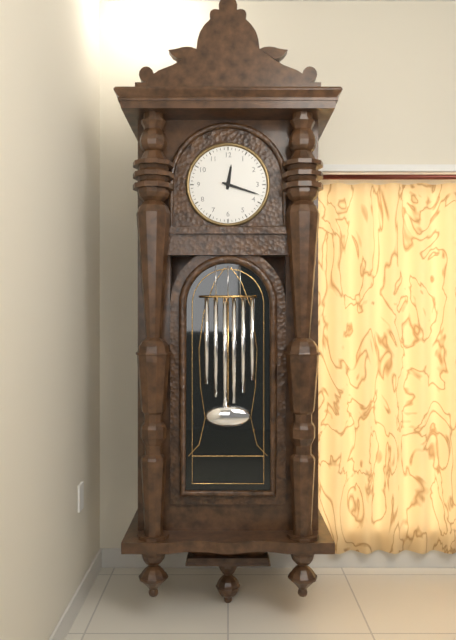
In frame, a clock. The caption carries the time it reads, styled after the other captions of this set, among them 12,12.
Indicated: 12,18
